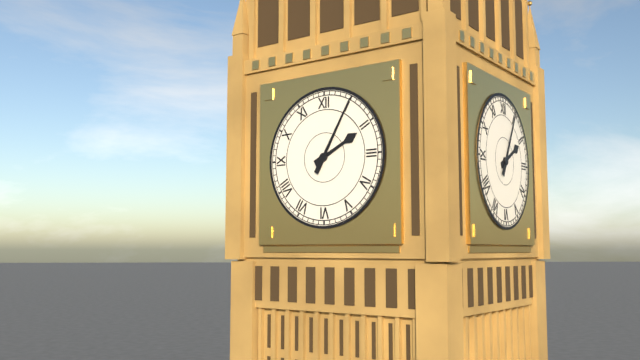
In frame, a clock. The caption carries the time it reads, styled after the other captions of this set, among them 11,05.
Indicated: 2,05
